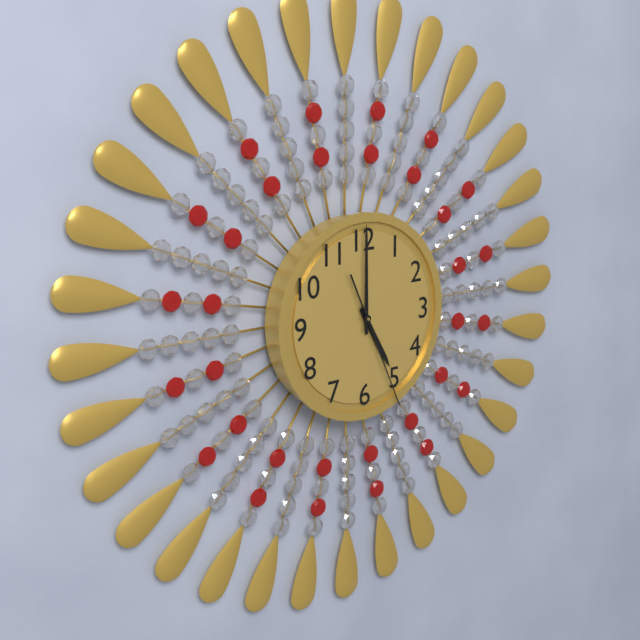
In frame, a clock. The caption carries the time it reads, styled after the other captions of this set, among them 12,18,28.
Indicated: 5,00,26
